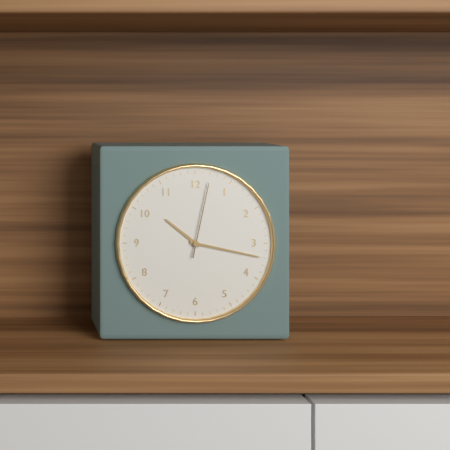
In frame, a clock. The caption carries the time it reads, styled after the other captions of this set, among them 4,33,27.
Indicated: 10,17,02
